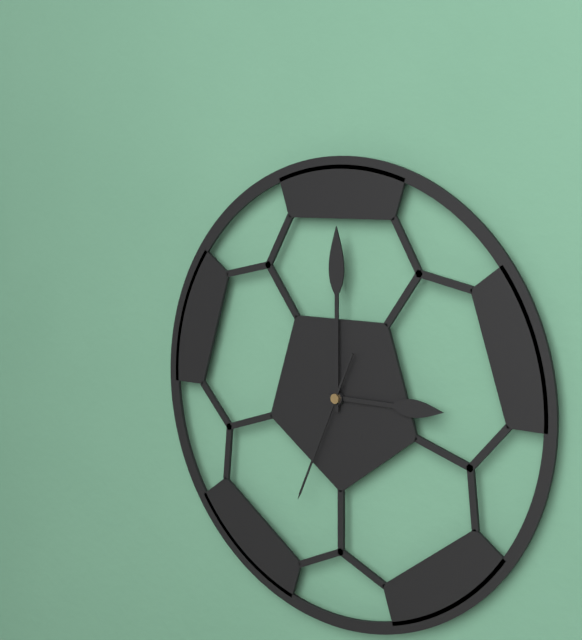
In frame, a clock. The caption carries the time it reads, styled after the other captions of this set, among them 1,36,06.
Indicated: 3,00,34
